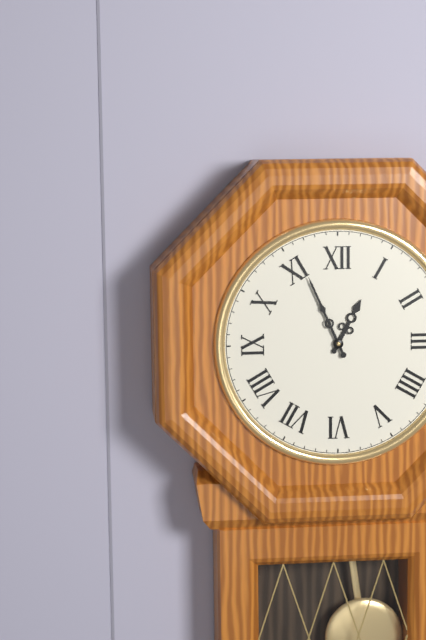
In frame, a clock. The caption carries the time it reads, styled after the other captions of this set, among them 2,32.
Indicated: 12,56
